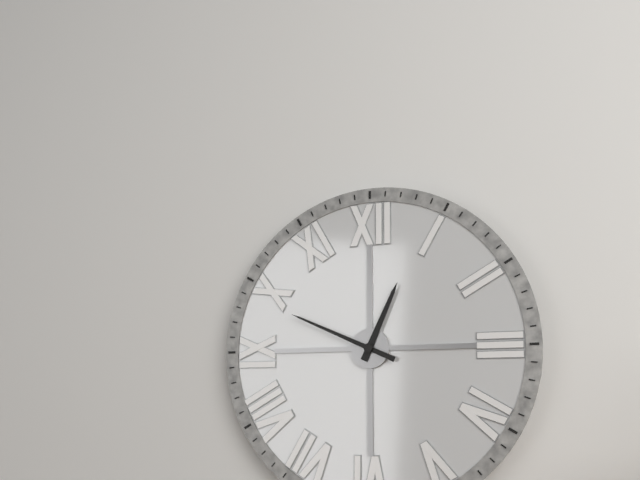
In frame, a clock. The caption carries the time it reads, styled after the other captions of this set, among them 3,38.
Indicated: 12,49
